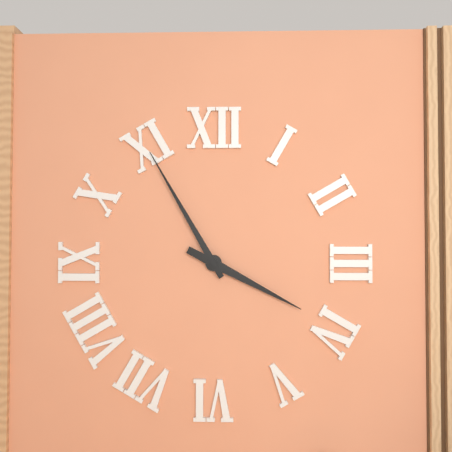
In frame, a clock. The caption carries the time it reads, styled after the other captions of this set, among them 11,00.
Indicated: 3,55
